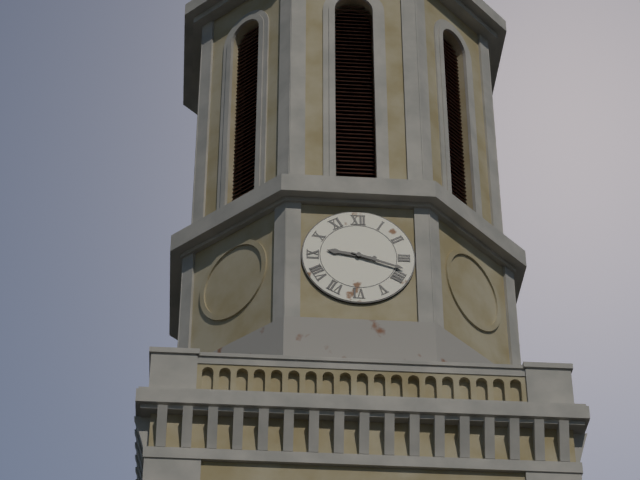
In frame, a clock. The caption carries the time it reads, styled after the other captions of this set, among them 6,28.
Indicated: 9,18
